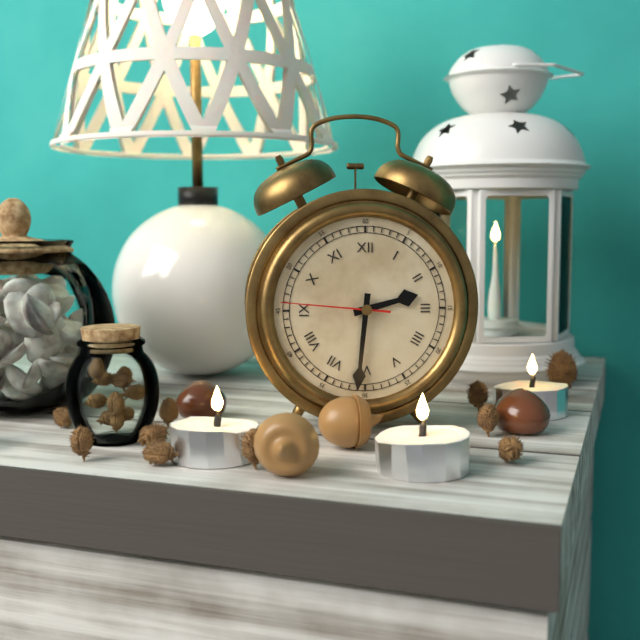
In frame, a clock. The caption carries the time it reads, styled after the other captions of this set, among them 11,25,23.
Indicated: 2,31,46
